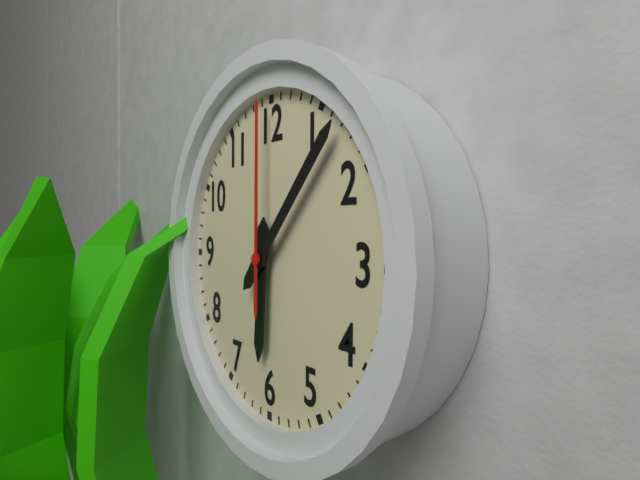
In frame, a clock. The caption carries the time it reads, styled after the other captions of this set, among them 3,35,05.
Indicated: 6,07,00
